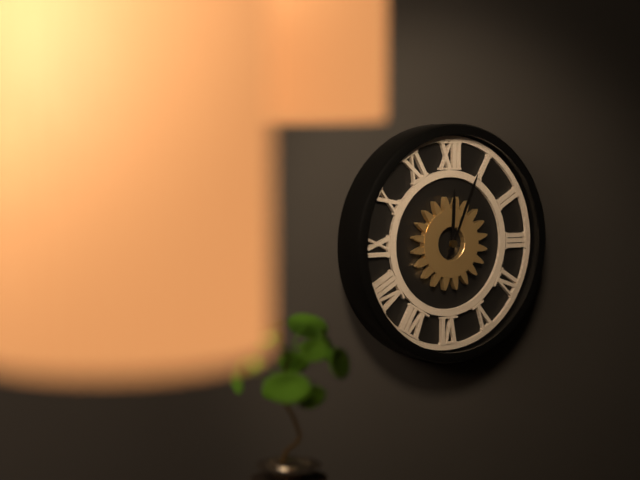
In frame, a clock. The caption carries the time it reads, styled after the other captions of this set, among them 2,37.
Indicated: 12,04
